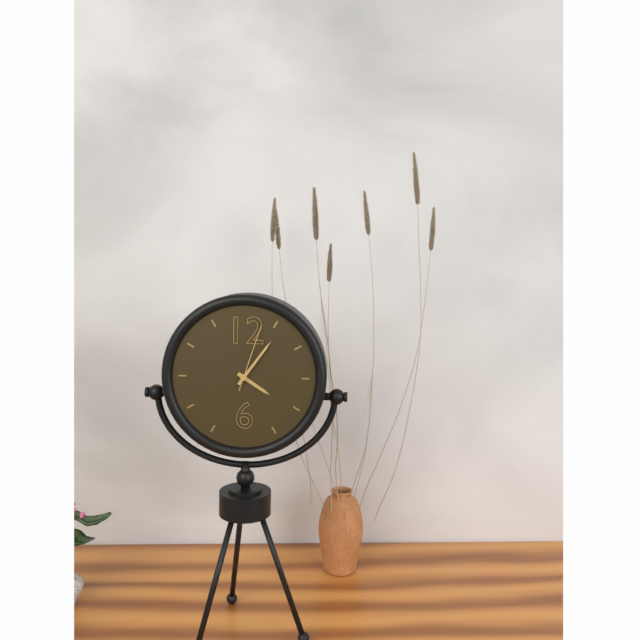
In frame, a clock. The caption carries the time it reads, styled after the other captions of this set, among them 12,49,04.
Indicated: 4,06,03
